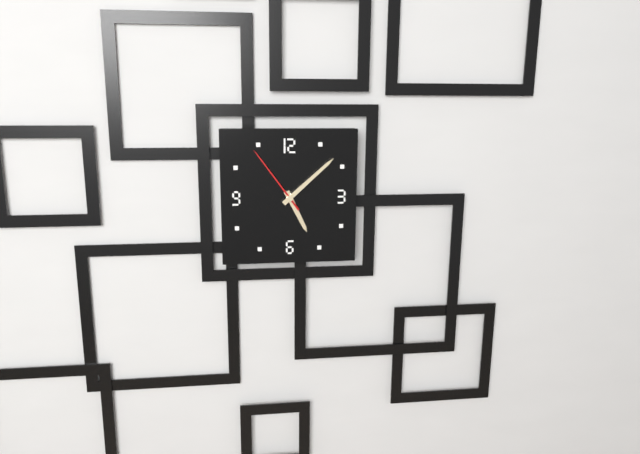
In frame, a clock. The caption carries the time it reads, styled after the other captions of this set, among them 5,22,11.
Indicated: 5,08,54
